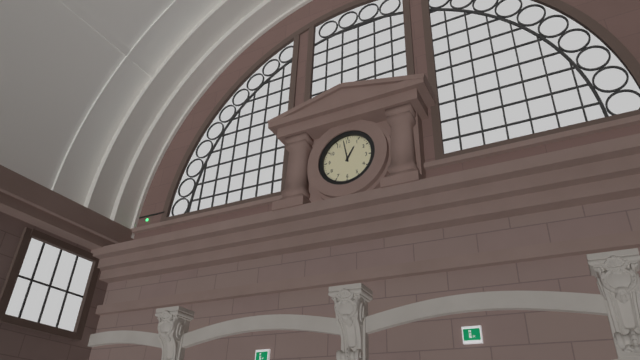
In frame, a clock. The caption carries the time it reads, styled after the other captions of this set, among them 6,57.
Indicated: 12,58
